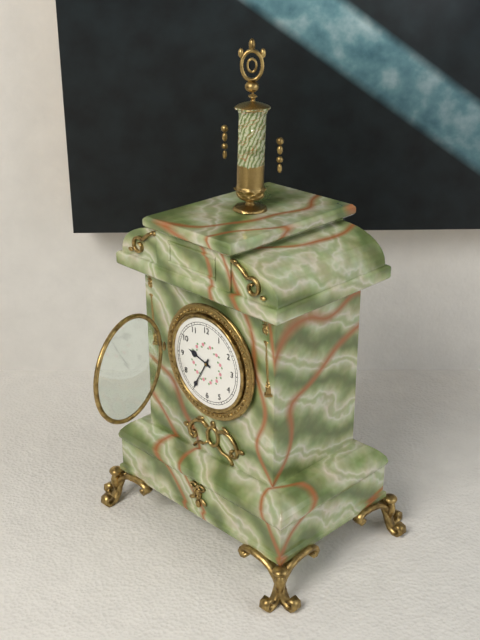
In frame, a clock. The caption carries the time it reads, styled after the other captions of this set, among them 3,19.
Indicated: 9,35
